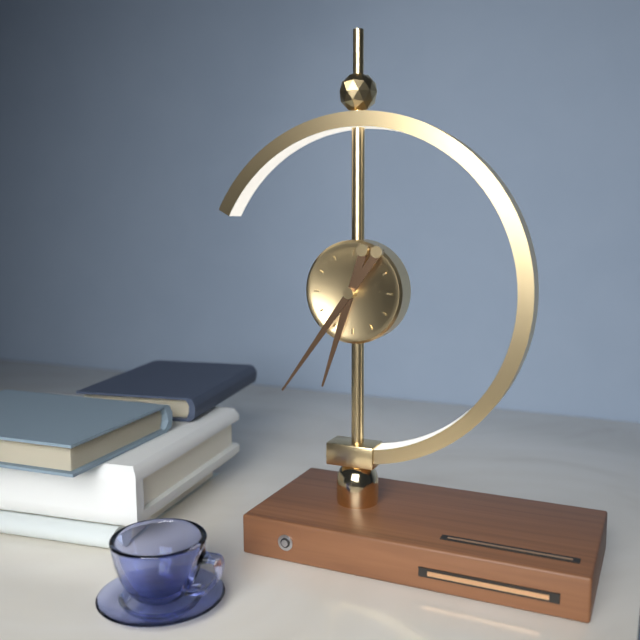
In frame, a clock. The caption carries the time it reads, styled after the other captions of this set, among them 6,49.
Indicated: 6,36
